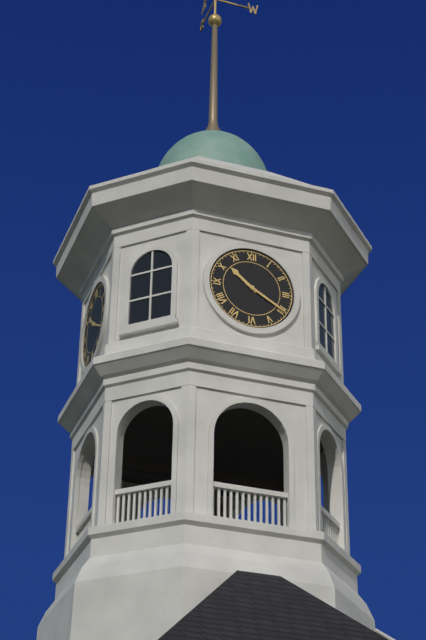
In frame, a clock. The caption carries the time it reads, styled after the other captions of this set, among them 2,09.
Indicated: 10,20
